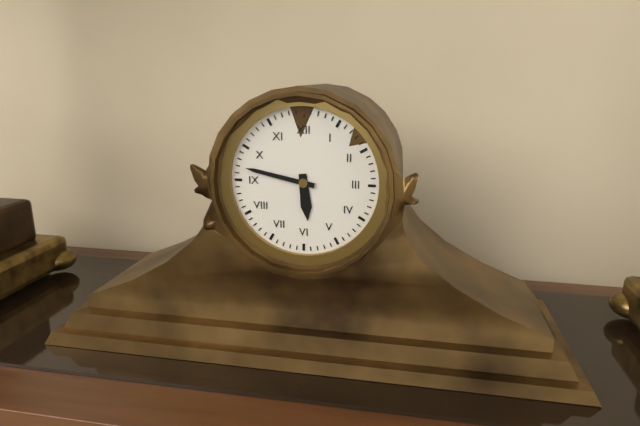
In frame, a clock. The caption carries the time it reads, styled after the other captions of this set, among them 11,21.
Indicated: 5,47
